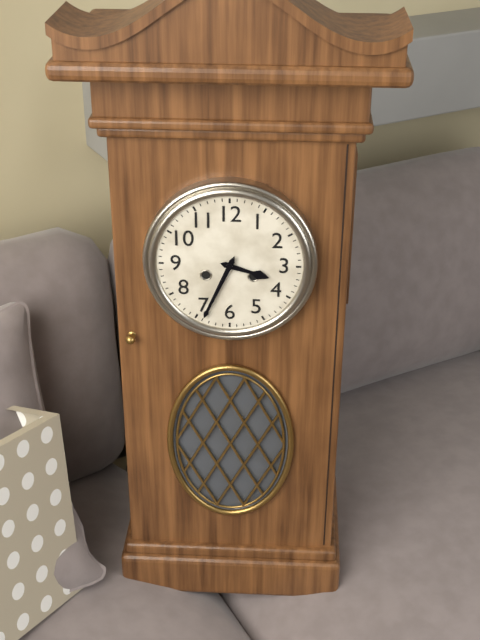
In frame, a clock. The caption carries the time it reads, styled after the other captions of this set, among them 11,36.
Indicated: 3,34
